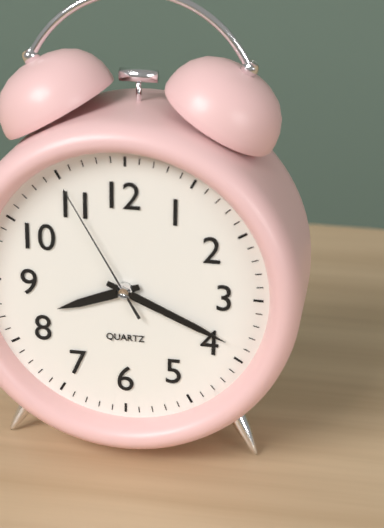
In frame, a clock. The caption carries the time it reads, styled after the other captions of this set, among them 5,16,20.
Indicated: 8,19,55
